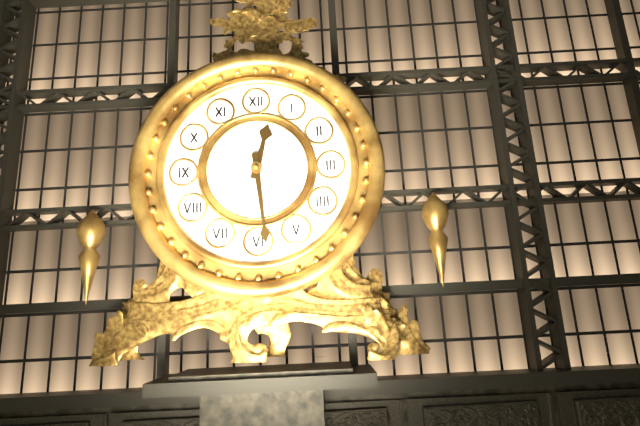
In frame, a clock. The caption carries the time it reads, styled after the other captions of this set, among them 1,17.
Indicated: 12,29
